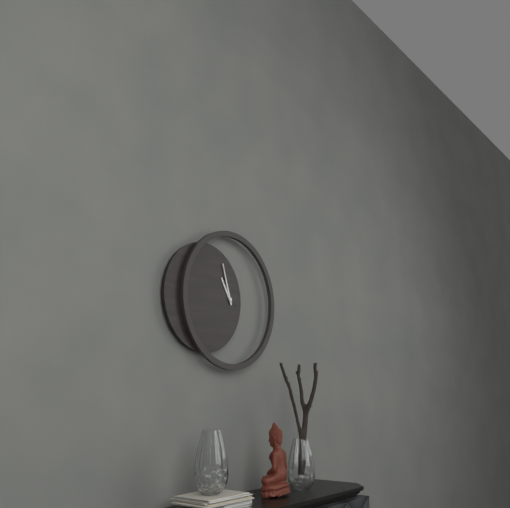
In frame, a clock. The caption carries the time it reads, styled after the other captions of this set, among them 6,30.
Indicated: 10,57
